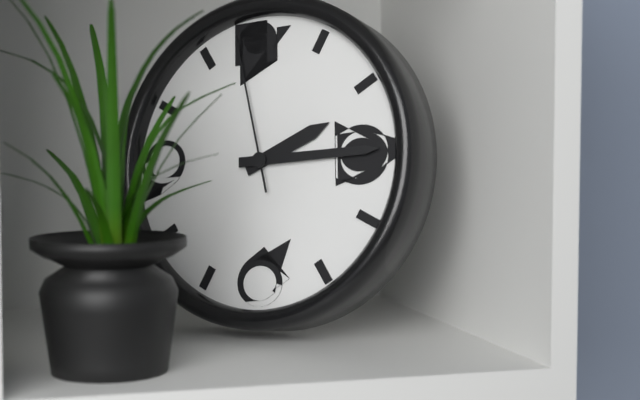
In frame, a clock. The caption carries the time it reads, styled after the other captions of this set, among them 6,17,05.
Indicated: 2,15,58
